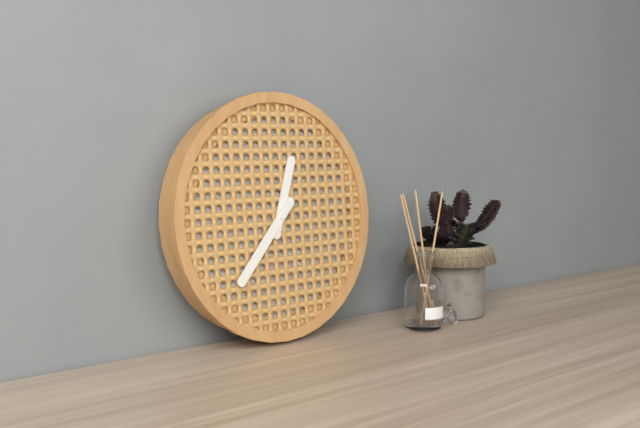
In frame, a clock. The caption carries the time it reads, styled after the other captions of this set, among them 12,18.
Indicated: 12,37
